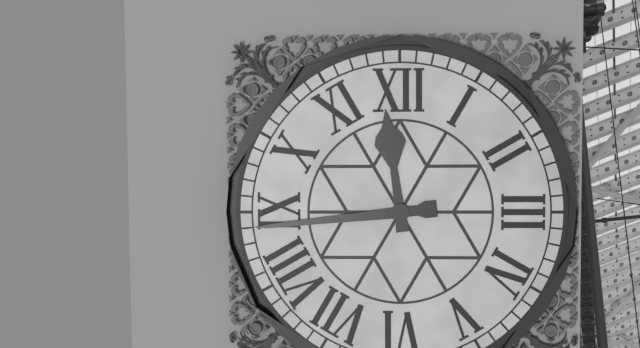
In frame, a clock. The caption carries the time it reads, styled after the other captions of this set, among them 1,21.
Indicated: 11,44
